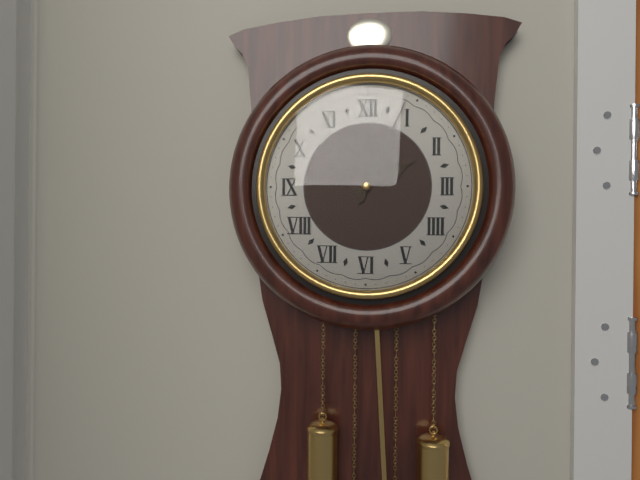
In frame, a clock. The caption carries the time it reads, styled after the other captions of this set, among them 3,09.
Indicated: 2,04
